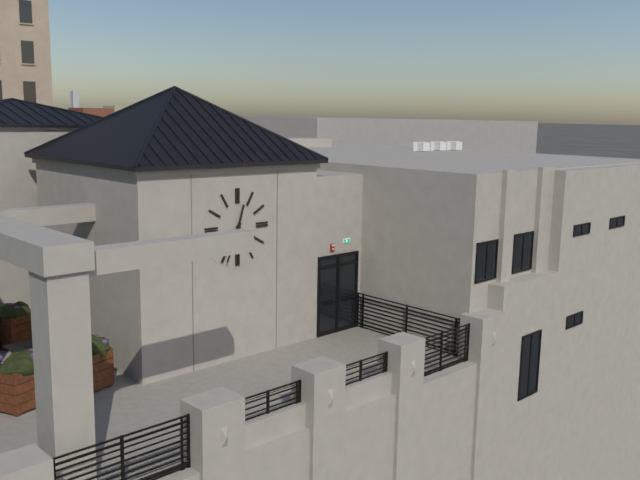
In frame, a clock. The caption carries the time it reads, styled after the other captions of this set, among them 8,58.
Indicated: 12,34
